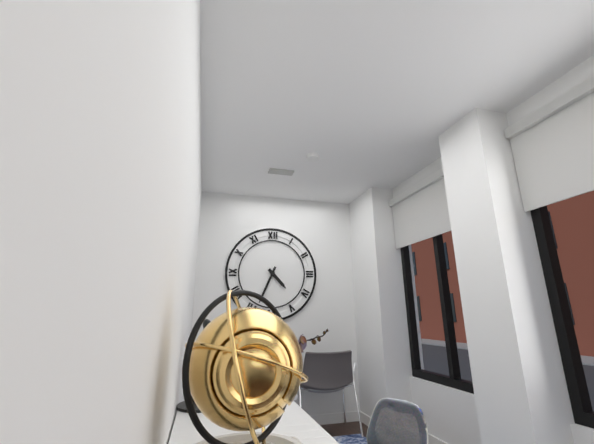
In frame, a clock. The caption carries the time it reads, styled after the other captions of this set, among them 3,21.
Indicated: 4,34
